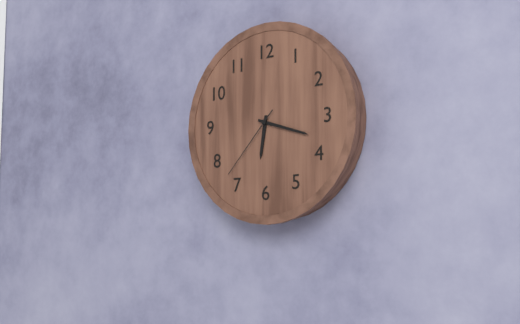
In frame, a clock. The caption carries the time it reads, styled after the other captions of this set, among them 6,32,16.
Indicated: 6,18,37
